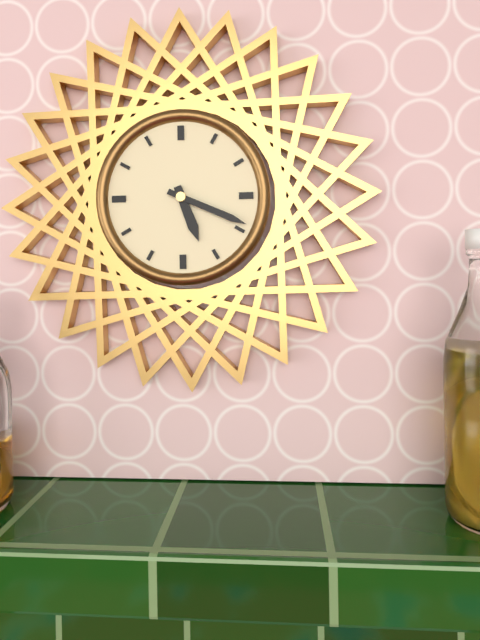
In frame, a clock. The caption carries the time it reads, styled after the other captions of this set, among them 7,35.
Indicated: 5,19
